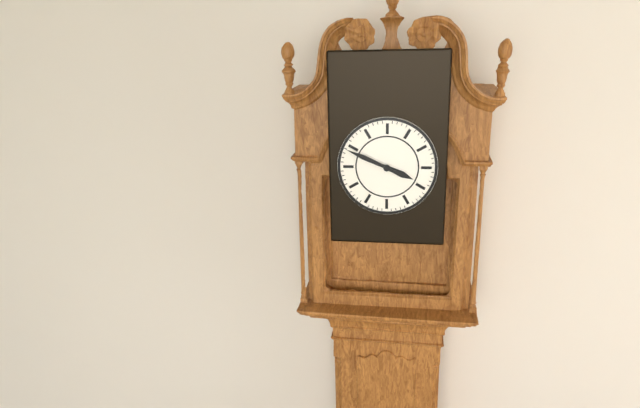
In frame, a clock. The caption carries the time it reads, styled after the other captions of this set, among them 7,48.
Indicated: 3,49
